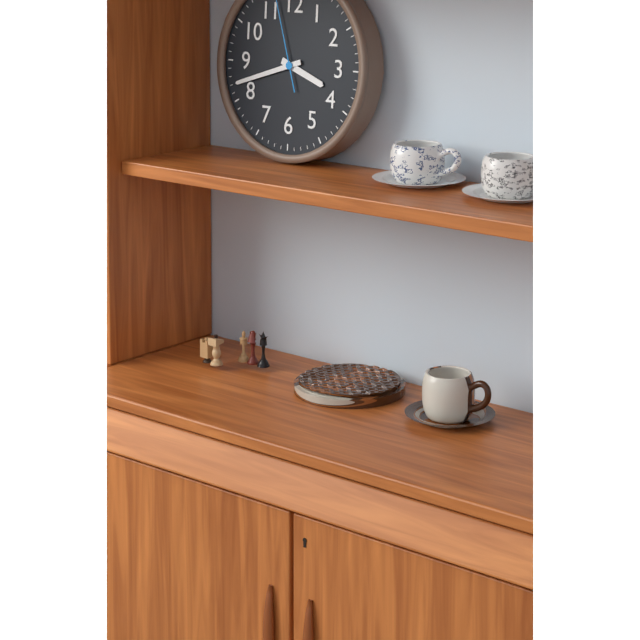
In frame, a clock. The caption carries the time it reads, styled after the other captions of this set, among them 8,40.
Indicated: 3,42
